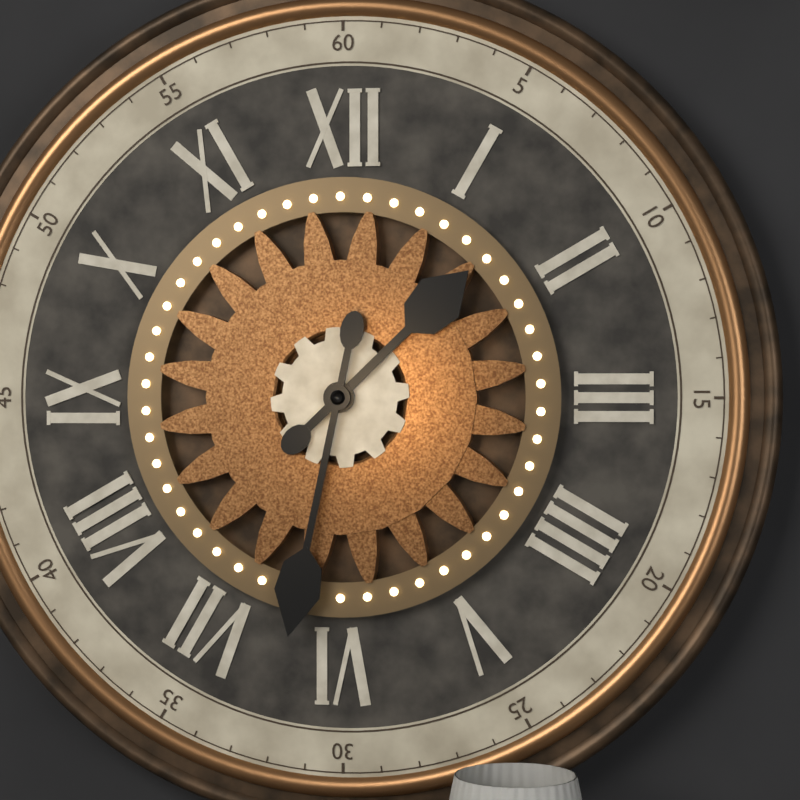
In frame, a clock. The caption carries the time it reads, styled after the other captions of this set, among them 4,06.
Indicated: 1,32
